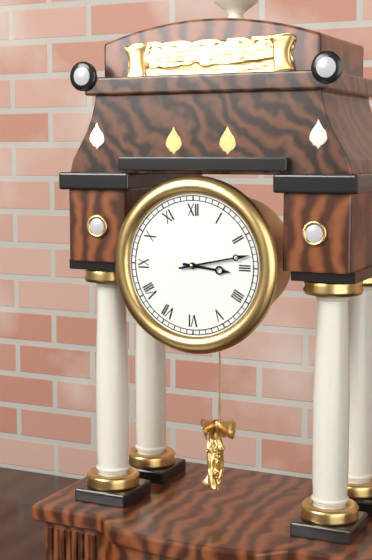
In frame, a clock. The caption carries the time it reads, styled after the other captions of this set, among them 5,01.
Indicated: 3,13
